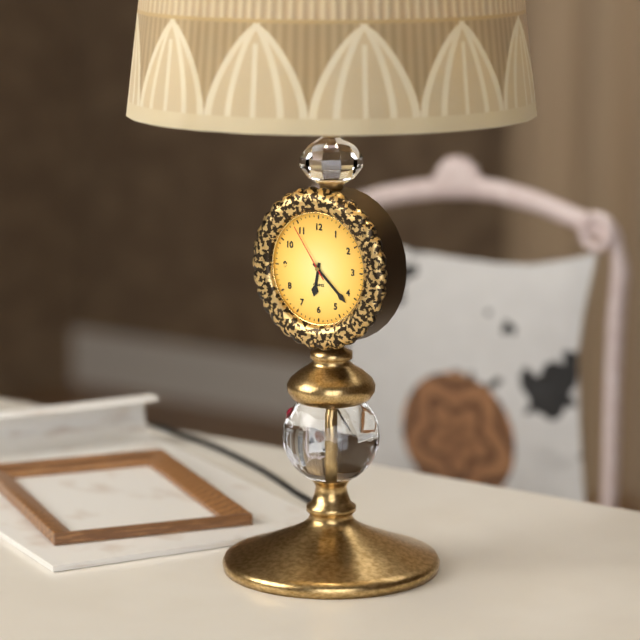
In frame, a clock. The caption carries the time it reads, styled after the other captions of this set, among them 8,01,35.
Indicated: 6,22,54
